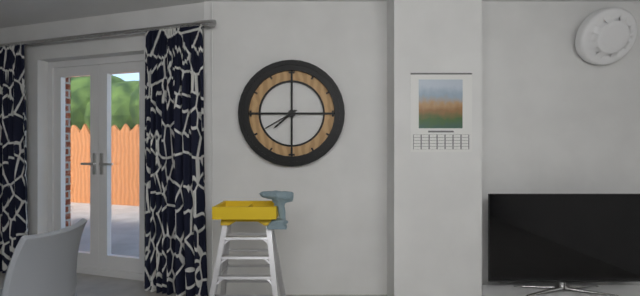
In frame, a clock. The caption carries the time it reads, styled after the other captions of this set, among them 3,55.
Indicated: 7,40
